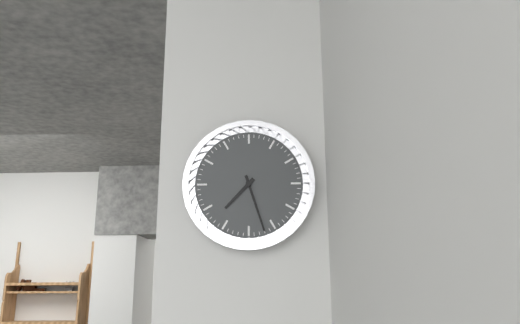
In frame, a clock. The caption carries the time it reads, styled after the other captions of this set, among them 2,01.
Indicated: 7,27
